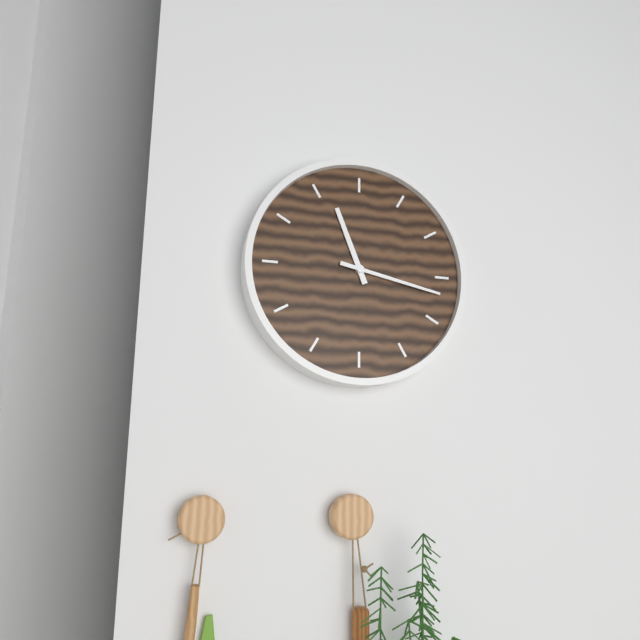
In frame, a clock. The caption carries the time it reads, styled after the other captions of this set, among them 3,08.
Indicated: 11,17
